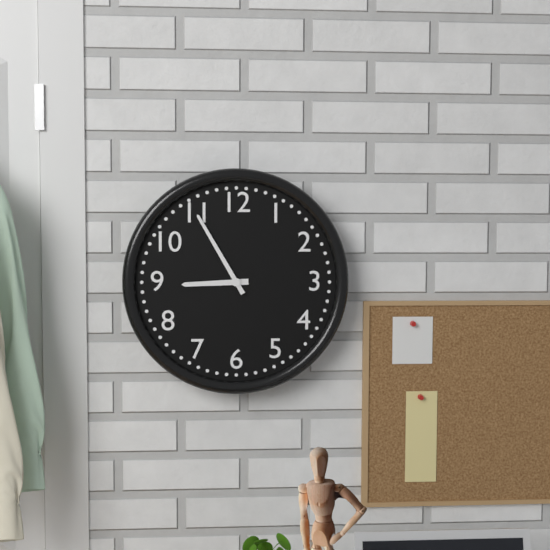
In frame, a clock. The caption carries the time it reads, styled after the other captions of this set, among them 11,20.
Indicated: 8,55
